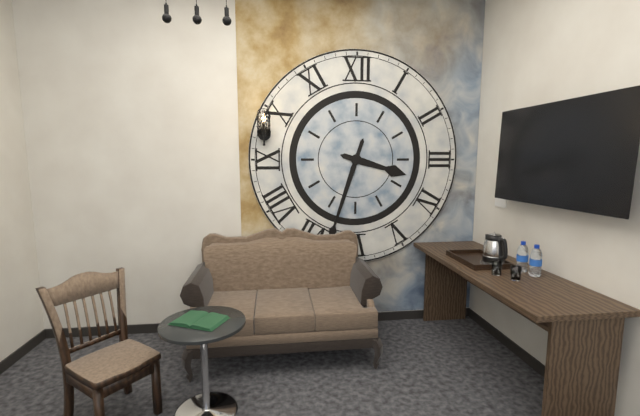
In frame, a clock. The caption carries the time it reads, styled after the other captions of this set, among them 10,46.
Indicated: 3,33
